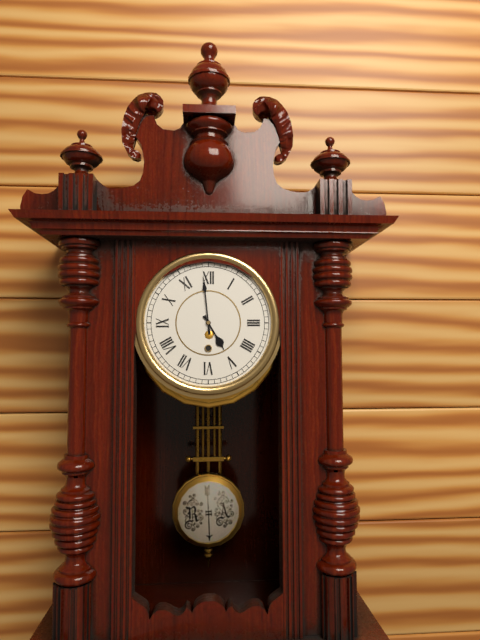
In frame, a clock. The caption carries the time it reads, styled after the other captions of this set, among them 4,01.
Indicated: 4,59
